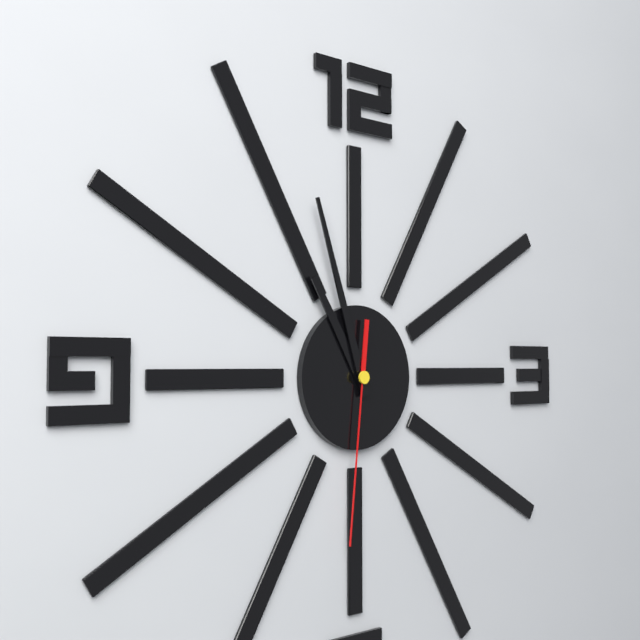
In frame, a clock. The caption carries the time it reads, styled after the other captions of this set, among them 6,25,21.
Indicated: 10,57,31
